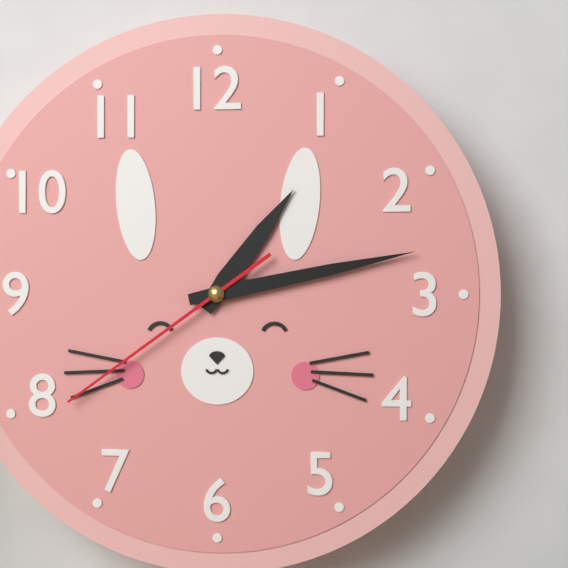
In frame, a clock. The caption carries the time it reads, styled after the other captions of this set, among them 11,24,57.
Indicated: 1,13,39
